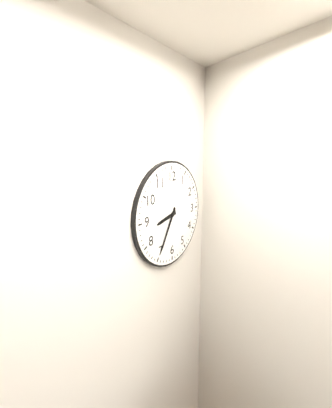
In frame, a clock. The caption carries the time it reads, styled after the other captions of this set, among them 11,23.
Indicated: 8,35
